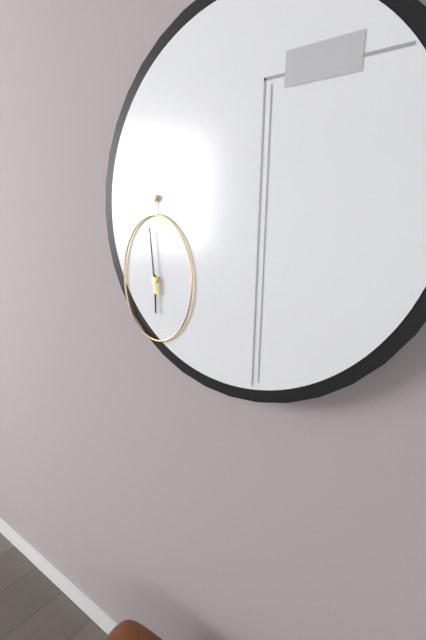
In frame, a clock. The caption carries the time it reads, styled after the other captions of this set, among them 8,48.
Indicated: 5,59
